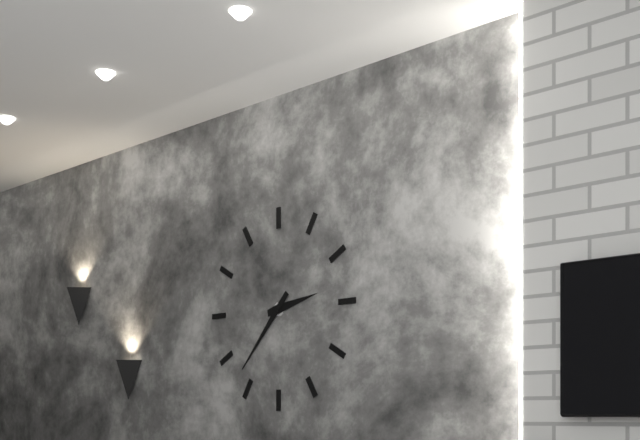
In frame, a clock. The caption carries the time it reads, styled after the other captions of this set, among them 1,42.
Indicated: 2,37
